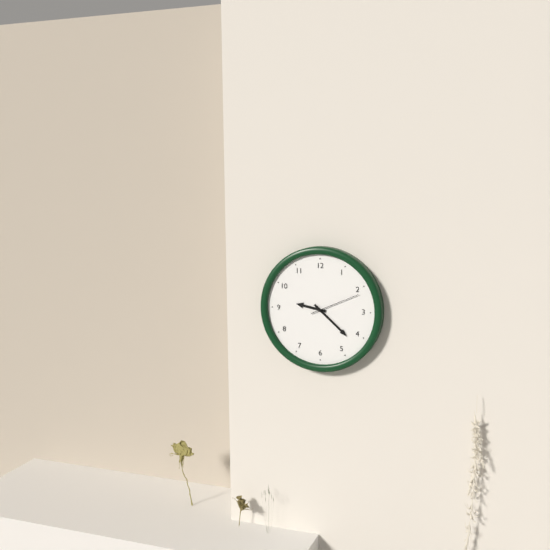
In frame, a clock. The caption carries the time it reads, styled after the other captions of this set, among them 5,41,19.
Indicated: 9,22,11
